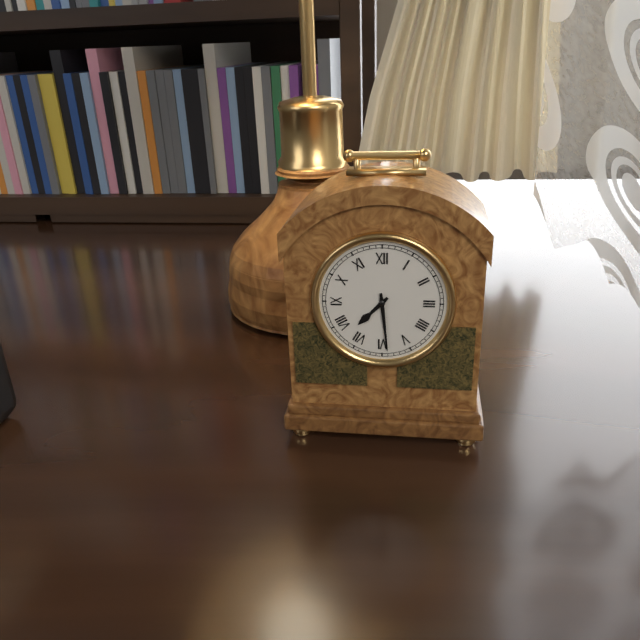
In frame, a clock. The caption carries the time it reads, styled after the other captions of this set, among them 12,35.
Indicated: 7,29
